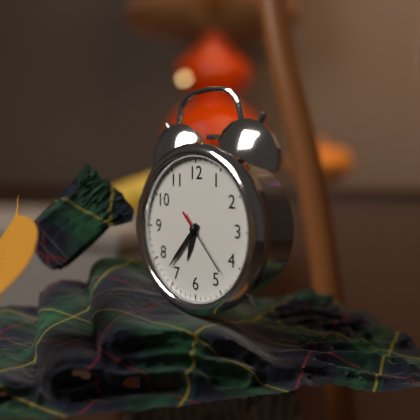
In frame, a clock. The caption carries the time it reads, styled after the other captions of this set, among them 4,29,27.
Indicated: 6,37,23
